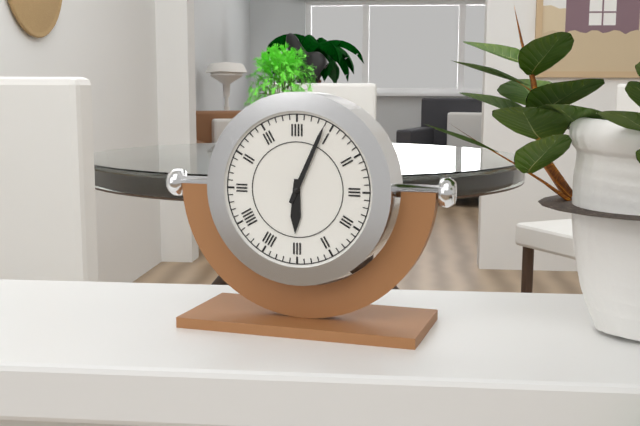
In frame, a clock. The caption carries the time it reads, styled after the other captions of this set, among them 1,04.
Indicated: 6,04
